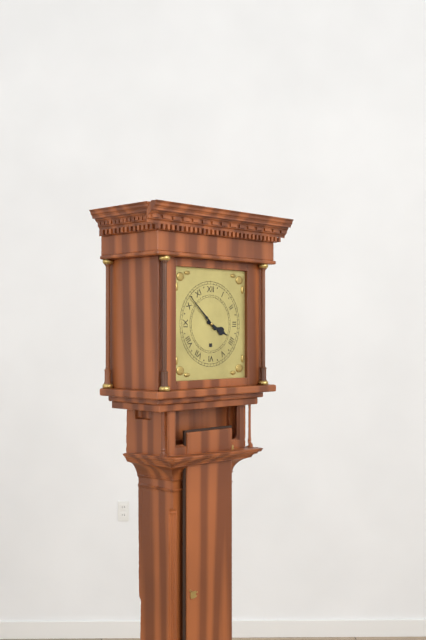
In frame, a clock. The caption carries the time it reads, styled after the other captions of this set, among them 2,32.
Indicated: 3,52
